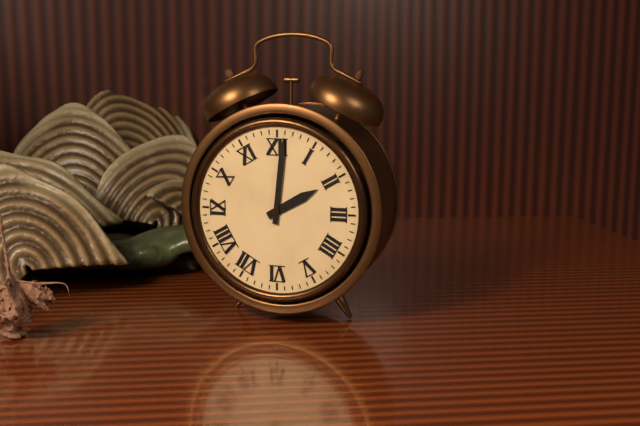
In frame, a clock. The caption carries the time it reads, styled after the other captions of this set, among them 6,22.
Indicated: 2,01
